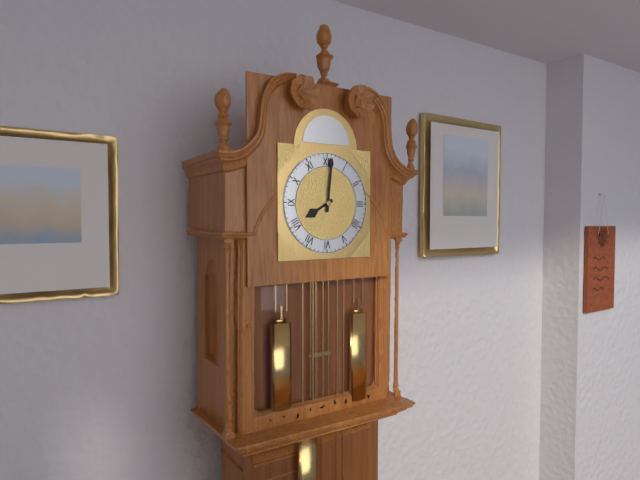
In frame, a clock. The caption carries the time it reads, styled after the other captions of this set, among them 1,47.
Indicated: 8,01
